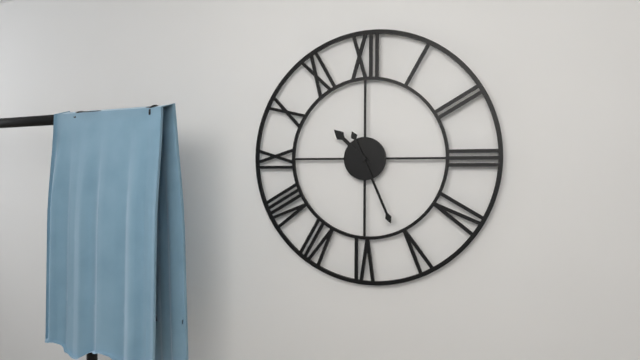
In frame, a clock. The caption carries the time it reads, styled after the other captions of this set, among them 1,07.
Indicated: 10,26
